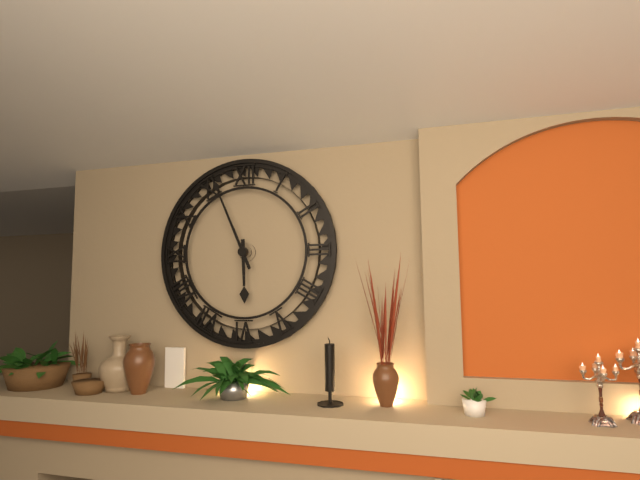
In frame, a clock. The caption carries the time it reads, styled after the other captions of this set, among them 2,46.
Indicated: 5,56
